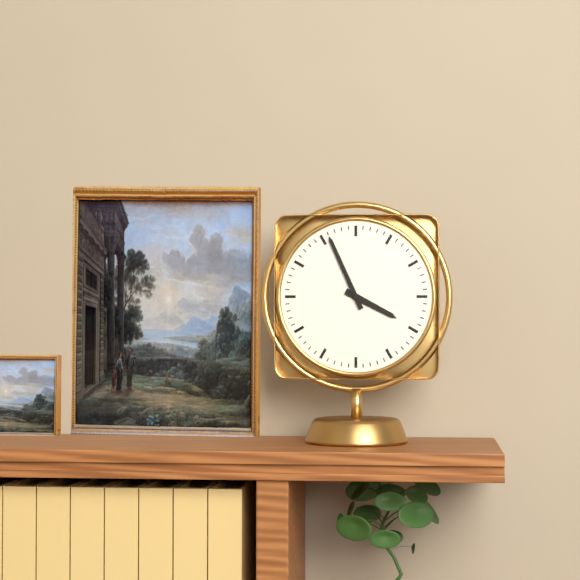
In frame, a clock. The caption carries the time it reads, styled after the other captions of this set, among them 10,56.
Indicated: 3,56
